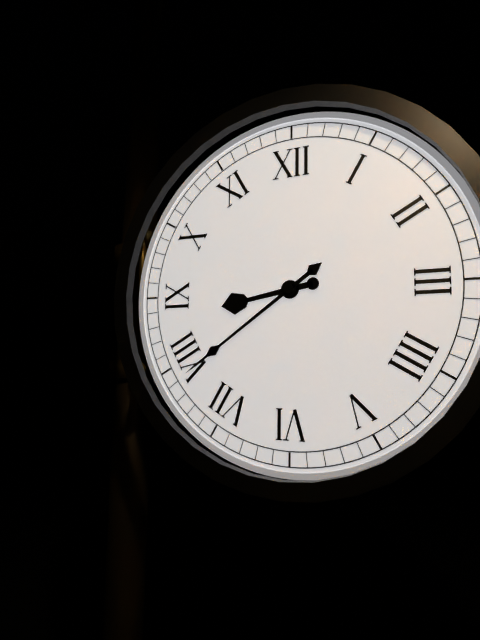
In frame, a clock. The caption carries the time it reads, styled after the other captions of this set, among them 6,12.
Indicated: 8,39
